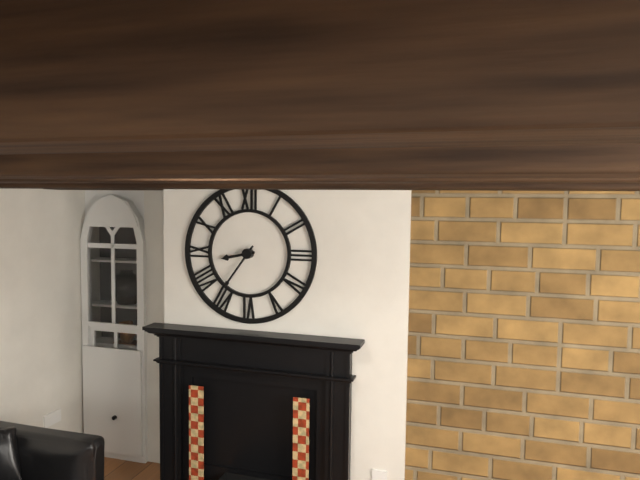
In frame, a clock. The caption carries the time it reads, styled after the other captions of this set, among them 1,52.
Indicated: 8,36
